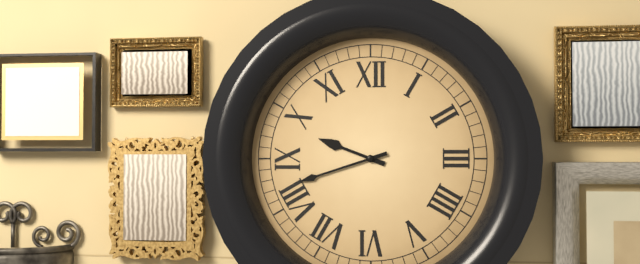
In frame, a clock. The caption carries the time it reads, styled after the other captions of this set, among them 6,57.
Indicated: 9,42
